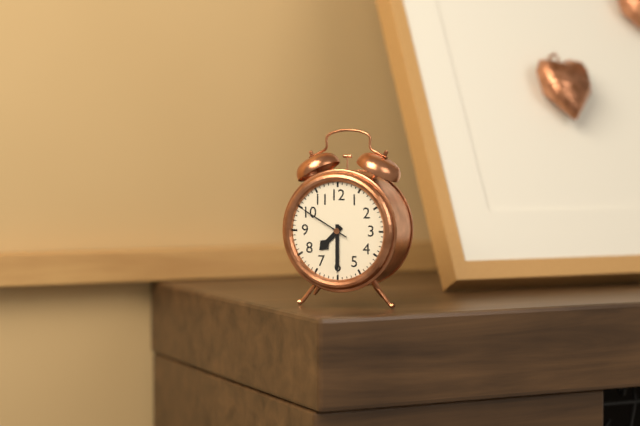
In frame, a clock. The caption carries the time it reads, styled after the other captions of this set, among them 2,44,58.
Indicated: 7,30,50
